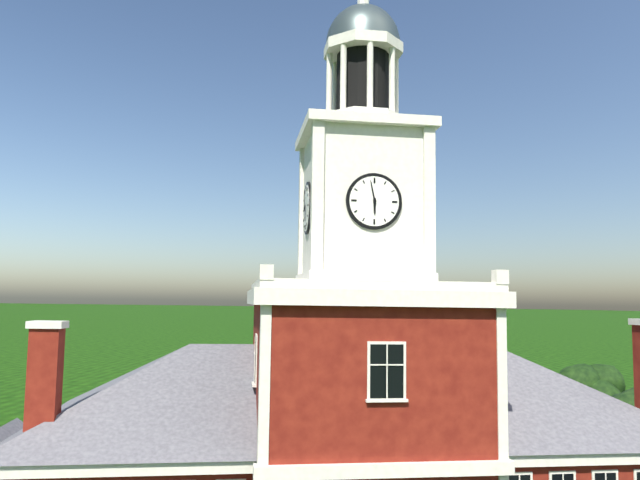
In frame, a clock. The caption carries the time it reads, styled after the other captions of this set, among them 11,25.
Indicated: 5,58
